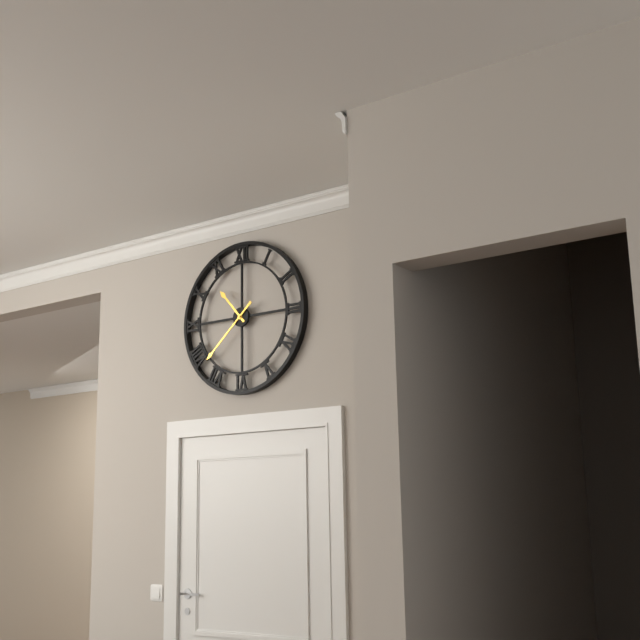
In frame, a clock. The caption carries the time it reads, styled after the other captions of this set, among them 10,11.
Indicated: 10,38
